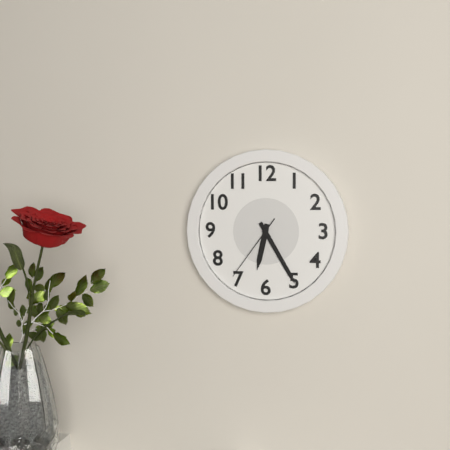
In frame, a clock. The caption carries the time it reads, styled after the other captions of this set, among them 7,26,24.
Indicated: 6,25,36
